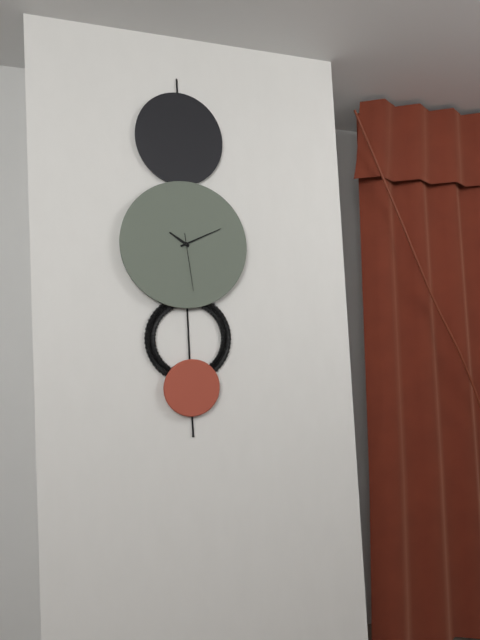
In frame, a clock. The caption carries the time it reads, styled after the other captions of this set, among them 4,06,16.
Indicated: 10,11,29
